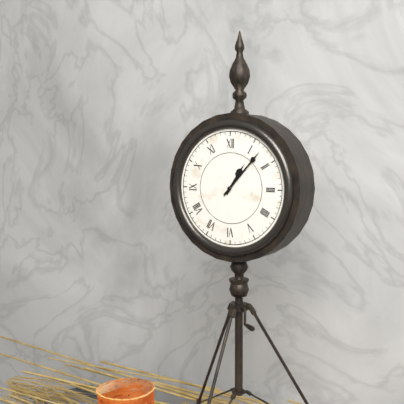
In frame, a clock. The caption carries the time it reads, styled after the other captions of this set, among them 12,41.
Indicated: 1,07
